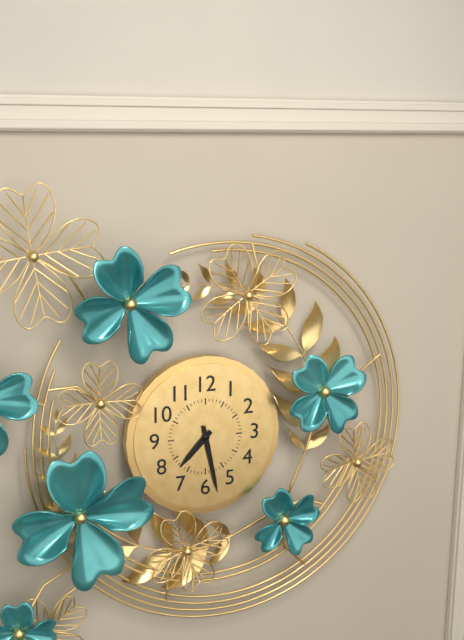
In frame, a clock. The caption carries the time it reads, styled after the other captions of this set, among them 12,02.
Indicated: 7,28
